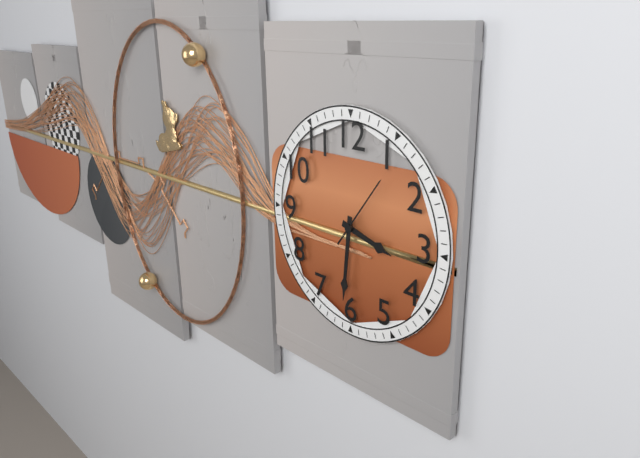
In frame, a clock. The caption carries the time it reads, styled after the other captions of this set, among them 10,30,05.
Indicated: 3,31,06
